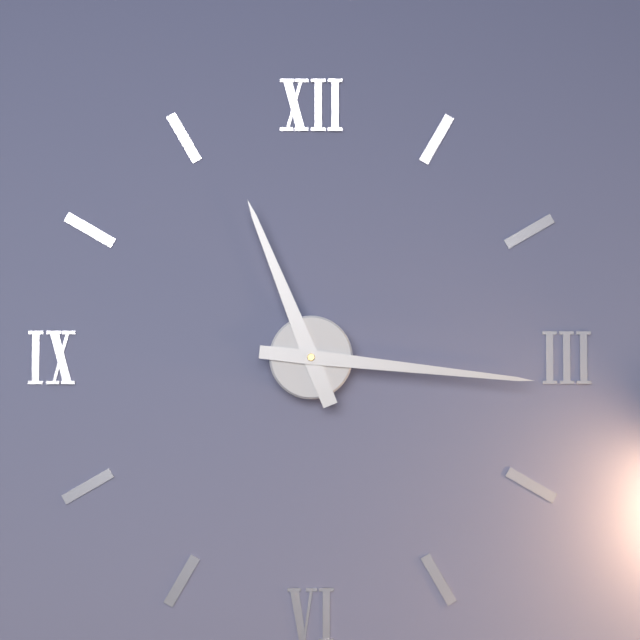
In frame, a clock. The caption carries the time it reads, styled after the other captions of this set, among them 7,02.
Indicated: 11,16
